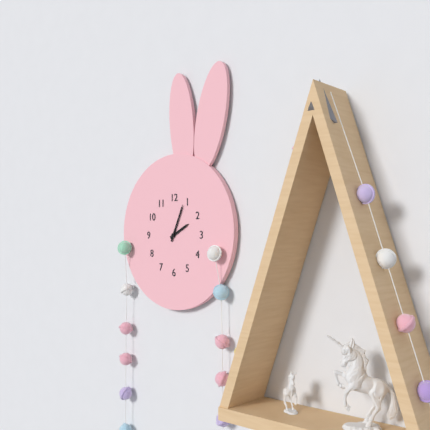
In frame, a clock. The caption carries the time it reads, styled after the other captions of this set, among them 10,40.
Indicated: 2,04
